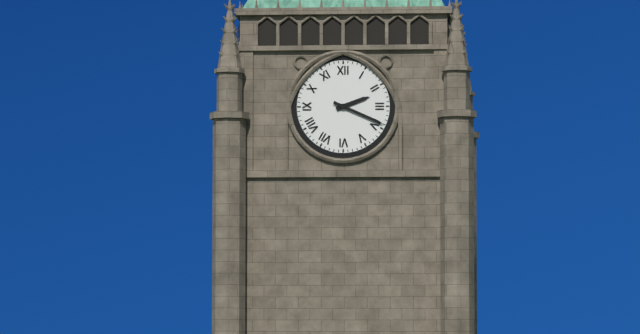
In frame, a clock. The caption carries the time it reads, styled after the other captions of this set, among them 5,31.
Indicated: 2,19
